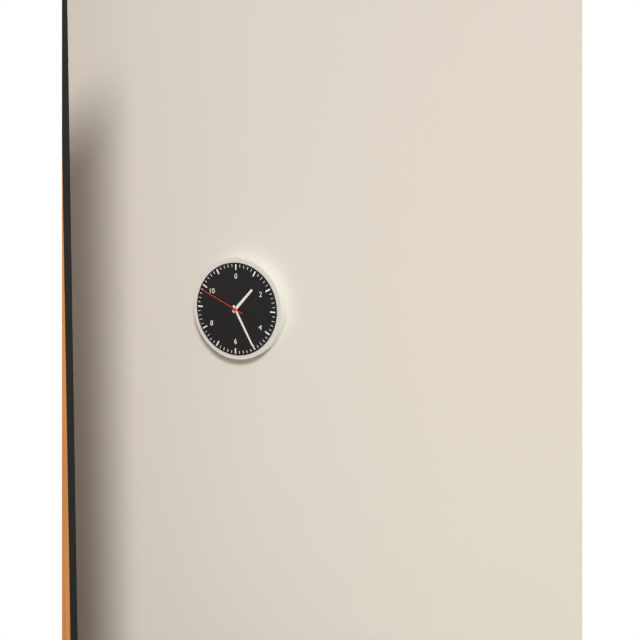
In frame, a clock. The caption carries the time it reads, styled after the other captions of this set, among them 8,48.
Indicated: 1,25
